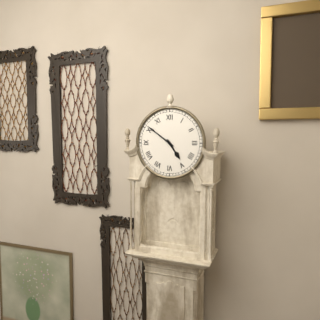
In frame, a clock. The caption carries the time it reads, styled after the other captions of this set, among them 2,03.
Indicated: 4,51
